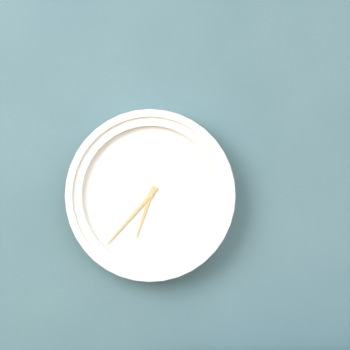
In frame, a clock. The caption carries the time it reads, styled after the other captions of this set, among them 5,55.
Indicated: 6,37
